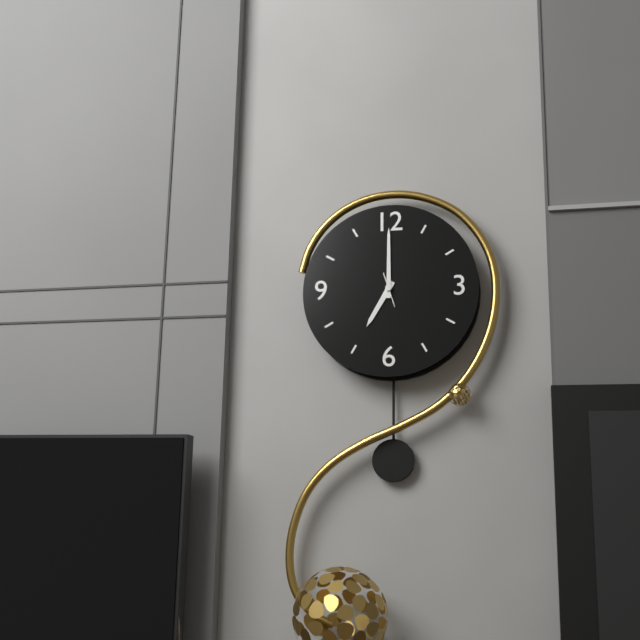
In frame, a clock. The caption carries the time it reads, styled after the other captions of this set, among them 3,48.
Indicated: 7,00
